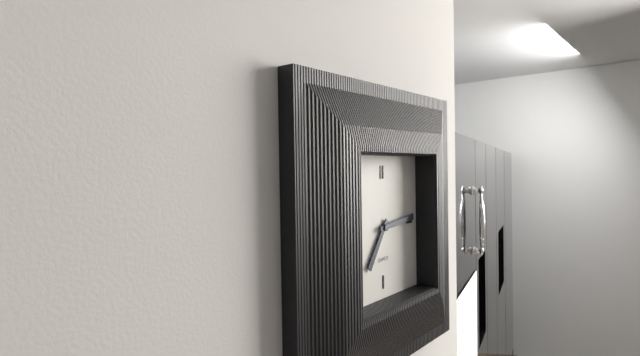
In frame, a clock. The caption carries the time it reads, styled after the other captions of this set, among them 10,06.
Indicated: 7,14
